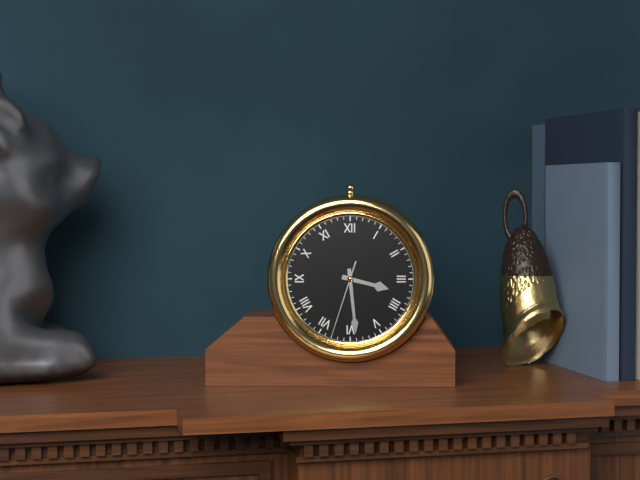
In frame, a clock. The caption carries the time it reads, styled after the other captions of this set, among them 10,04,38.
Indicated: 3,29,33
